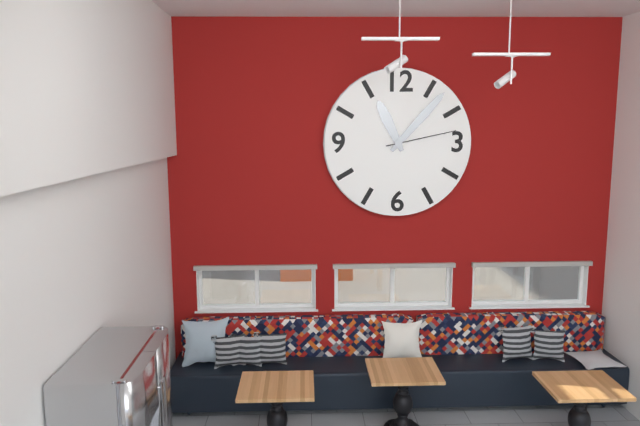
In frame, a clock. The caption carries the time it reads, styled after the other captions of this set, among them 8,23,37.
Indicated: 11,07,13
